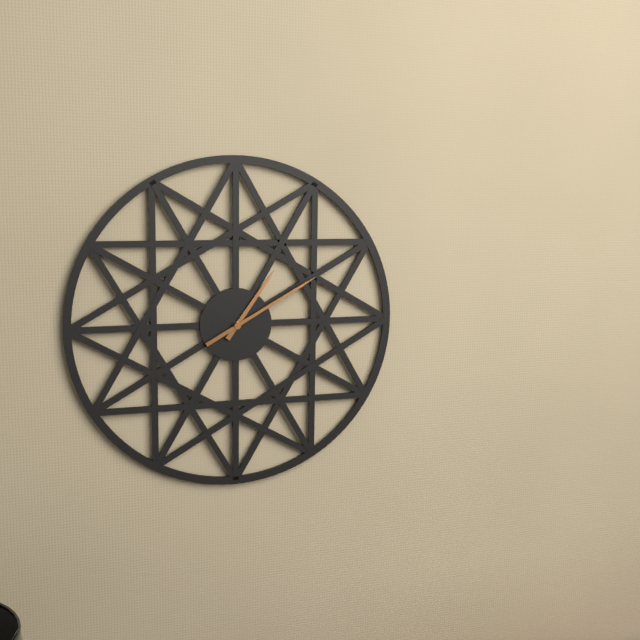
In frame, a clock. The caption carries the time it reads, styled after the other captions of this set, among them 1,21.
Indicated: 1,10
